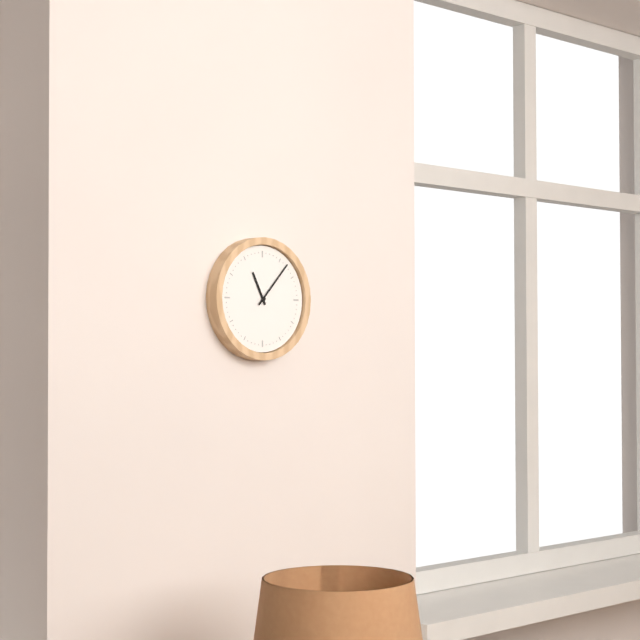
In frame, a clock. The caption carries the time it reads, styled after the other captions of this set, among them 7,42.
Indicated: 11,07
